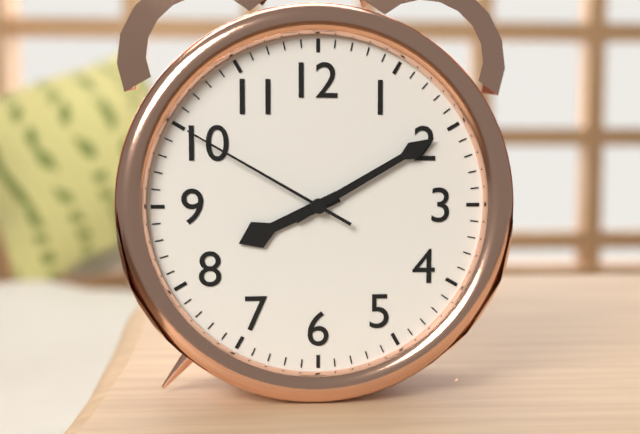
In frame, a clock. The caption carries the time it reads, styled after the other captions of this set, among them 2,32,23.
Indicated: 8,10,50
